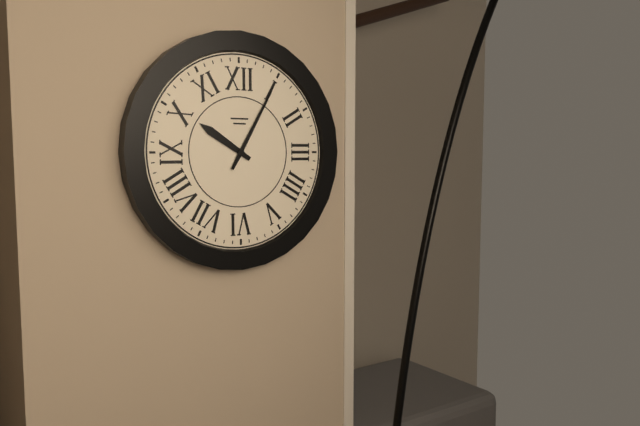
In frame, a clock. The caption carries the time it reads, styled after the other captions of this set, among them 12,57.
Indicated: 10,05
